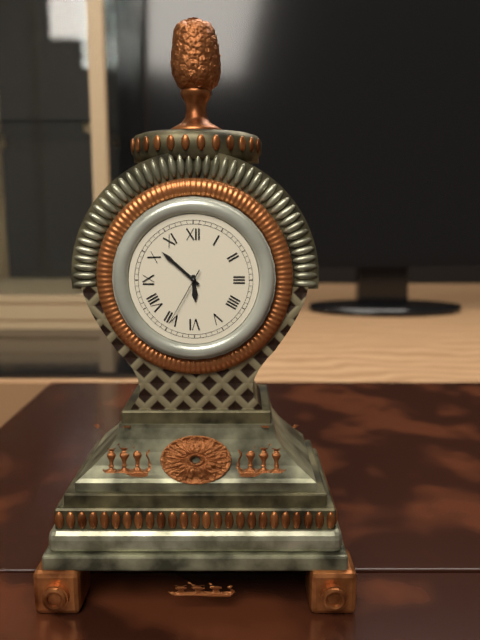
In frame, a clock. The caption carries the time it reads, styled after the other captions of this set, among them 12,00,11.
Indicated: 5,52,35
